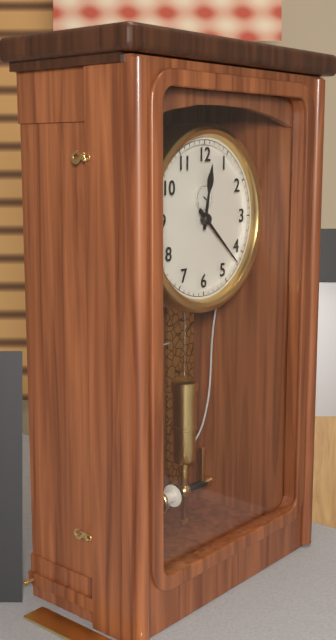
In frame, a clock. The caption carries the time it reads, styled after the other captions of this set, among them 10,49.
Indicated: 12,22
